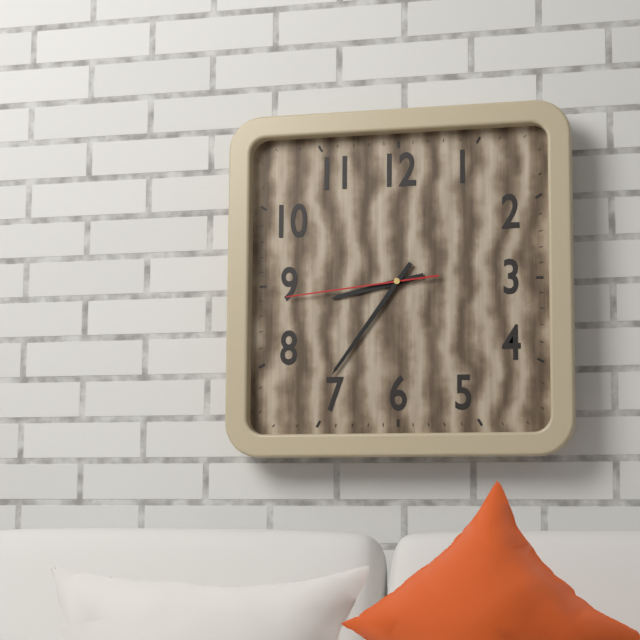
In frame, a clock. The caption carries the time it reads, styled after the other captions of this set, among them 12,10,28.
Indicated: 8,36,44
